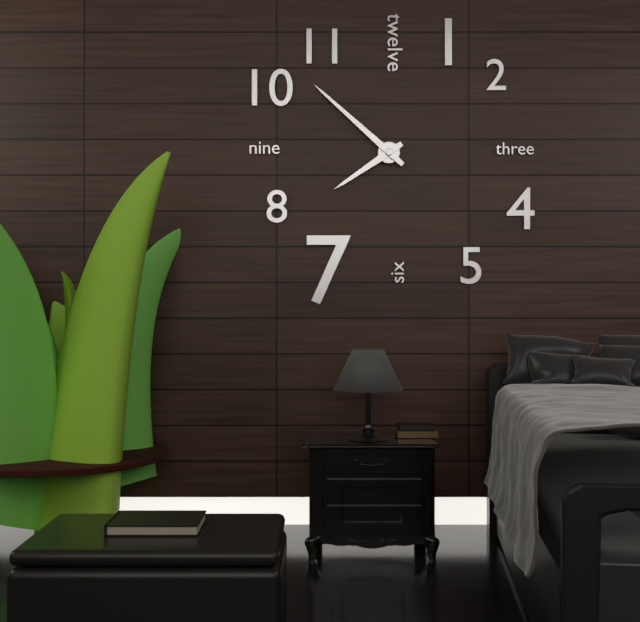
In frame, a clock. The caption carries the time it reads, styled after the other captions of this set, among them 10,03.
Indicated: 7,52
